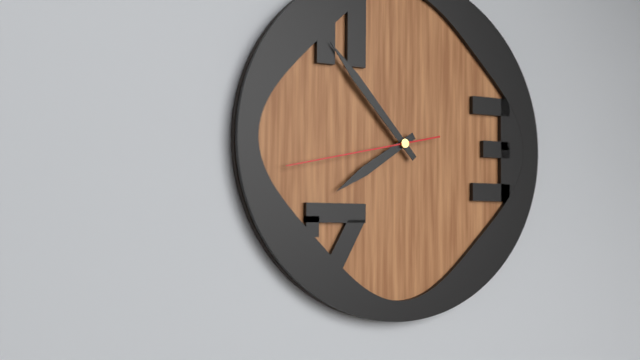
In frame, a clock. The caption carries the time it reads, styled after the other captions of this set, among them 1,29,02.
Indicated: 7,53,43
